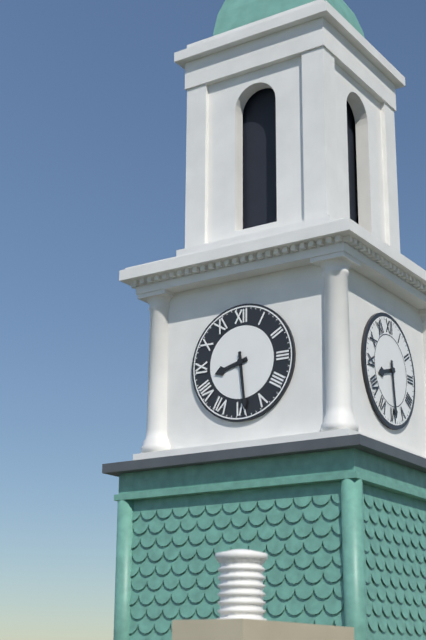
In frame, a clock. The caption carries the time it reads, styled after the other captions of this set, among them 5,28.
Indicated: 8,29
